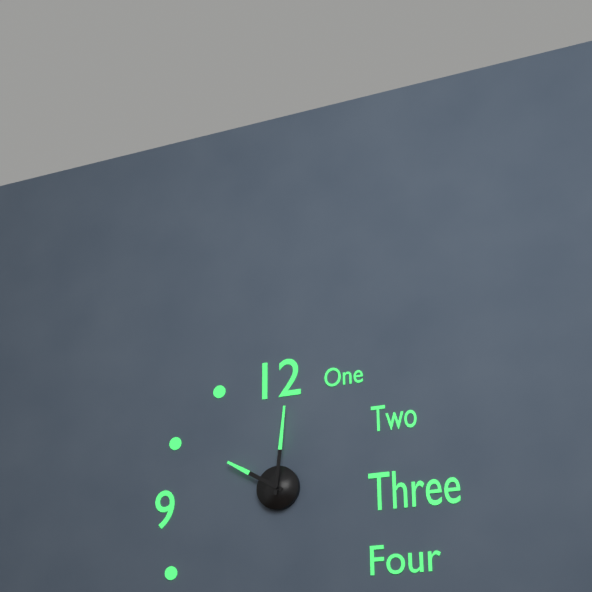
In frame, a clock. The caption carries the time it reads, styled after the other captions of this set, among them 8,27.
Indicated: 10,01
